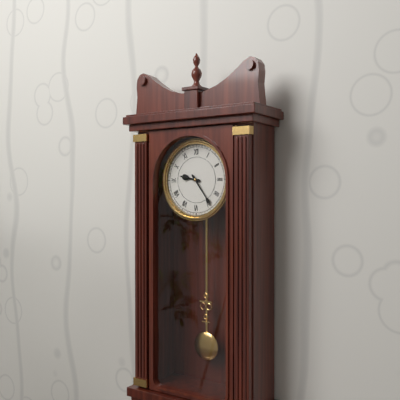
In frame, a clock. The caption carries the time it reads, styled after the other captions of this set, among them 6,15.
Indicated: 9,24
